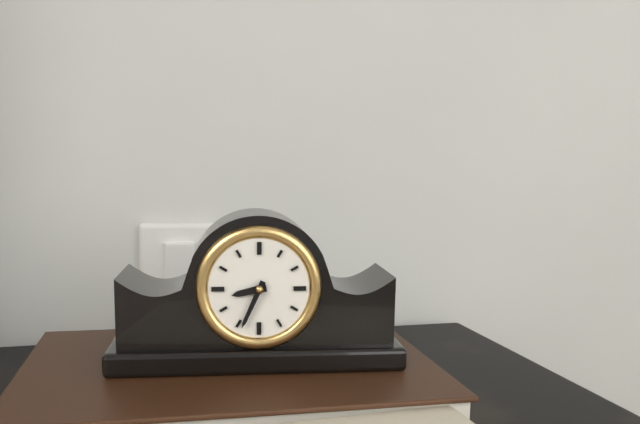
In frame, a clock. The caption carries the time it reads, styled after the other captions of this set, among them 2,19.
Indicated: 8,34
